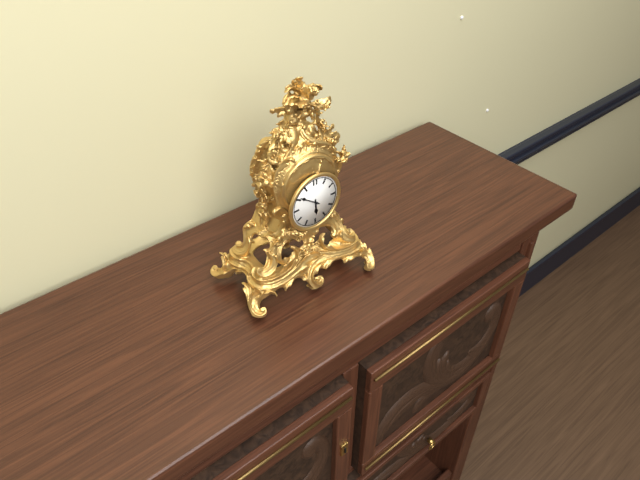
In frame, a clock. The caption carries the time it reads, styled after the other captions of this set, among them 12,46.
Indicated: 5,51
